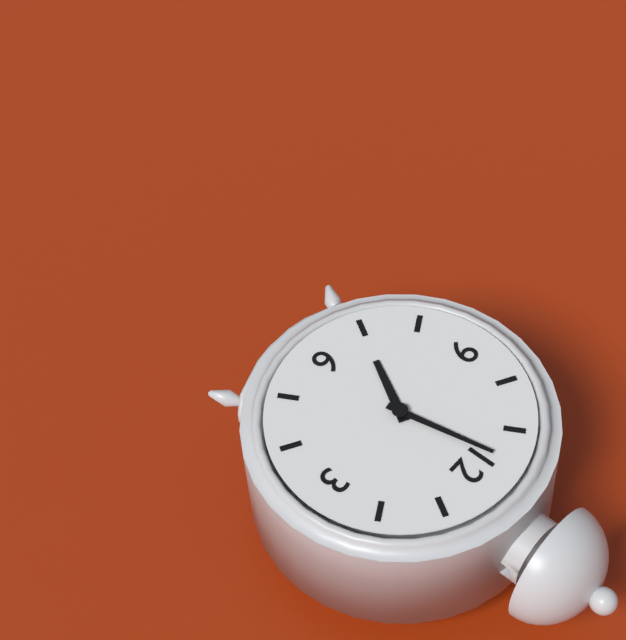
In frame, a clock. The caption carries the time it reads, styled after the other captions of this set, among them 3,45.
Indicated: 6,58
